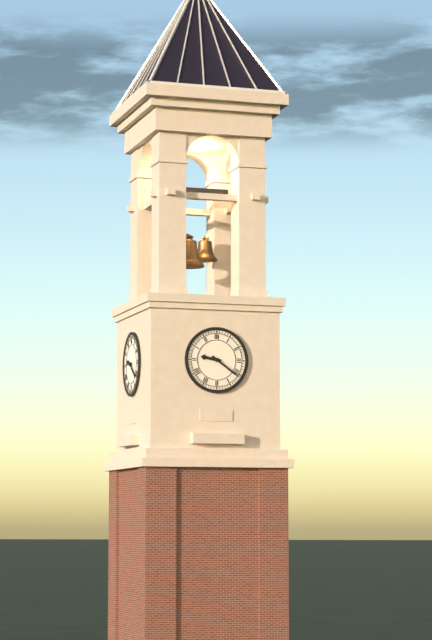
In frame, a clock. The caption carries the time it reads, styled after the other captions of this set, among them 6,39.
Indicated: 9,21
